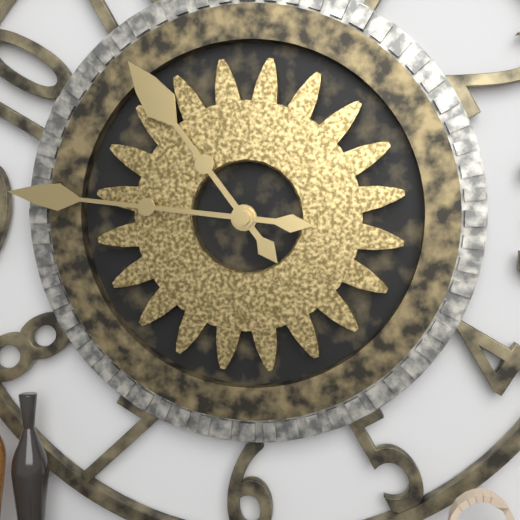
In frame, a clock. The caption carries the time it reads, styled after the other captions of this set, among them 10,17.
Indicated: 10,46
